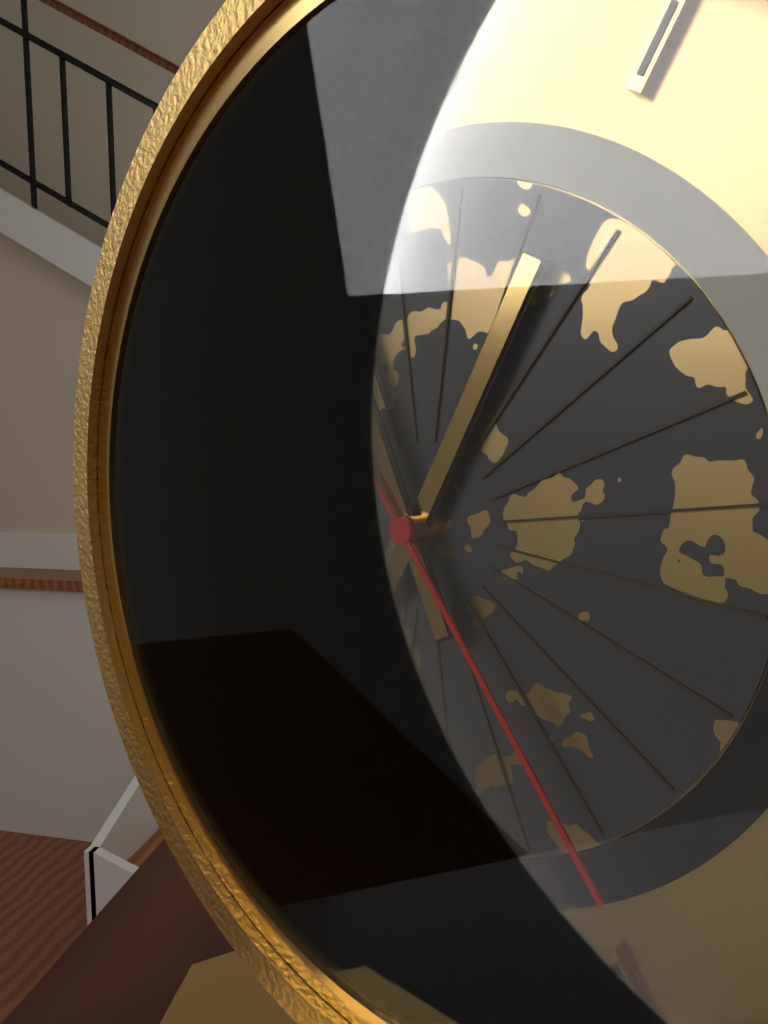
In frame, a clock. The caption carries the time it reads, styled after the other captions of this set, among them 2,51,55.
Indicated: 12,56,24
